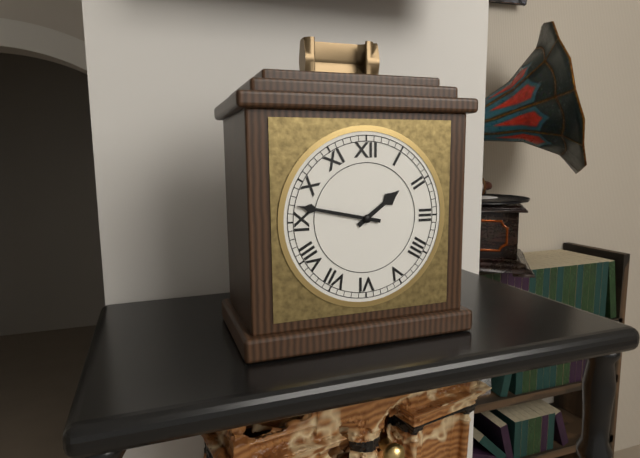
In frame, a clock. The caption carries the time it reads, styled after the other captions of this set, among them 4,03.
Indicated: 1,47
